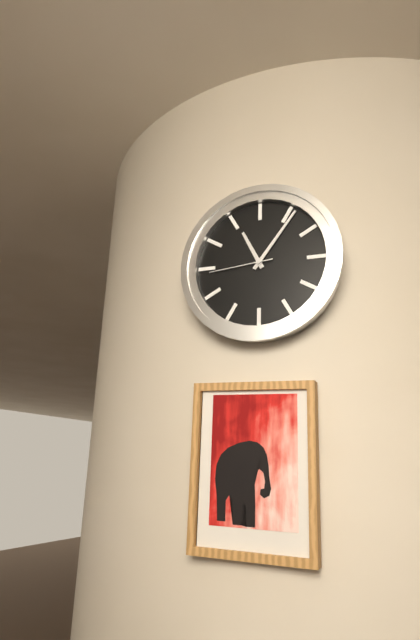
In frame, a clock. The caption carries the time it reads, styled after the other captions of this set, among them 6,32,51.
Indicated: 11,06,44
